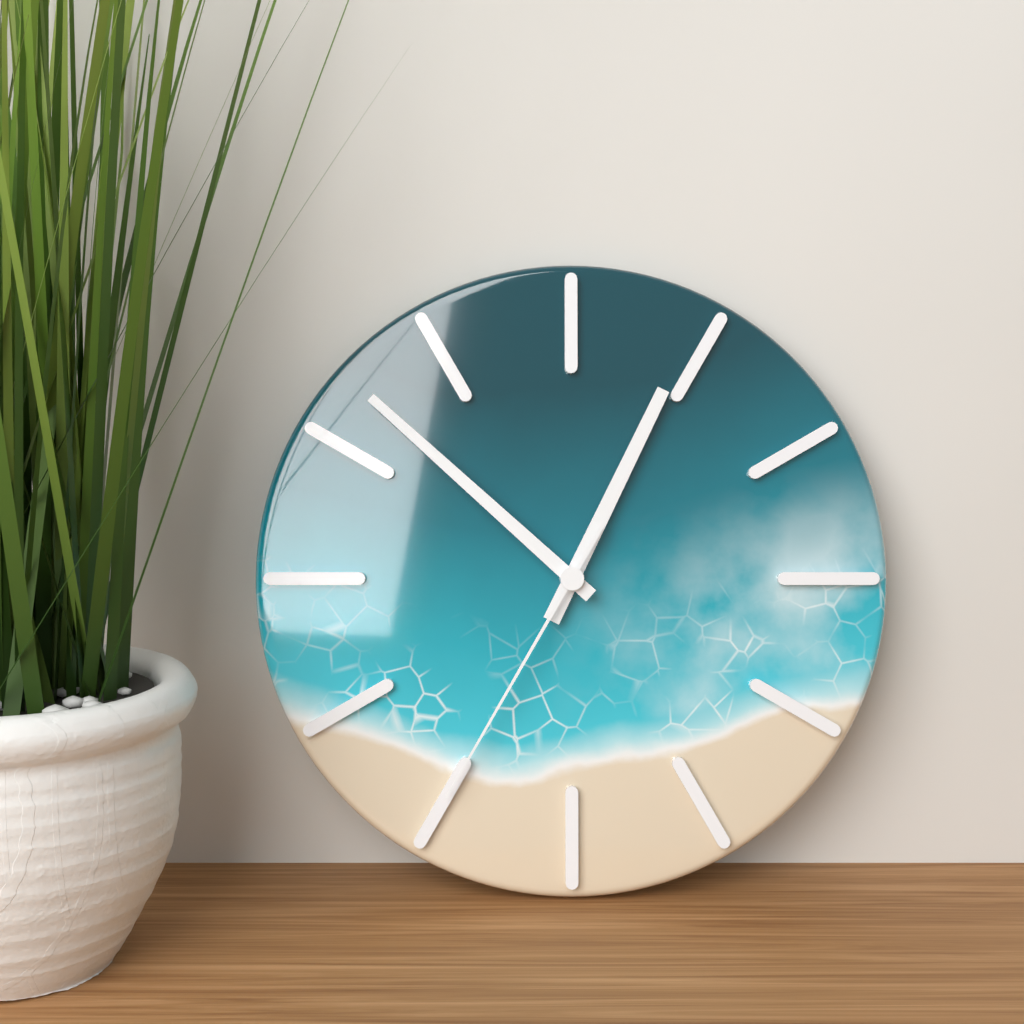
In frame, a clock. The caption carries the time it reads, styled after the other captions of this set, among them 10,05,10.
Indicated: 12,52,35
